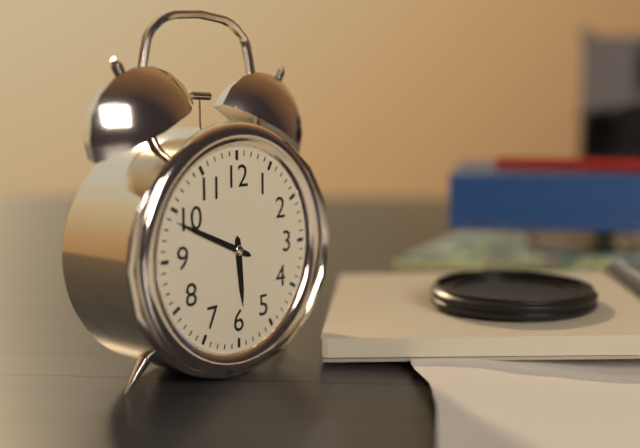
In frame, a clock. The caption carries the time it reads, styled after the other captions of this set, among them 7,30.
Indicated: 5,49
